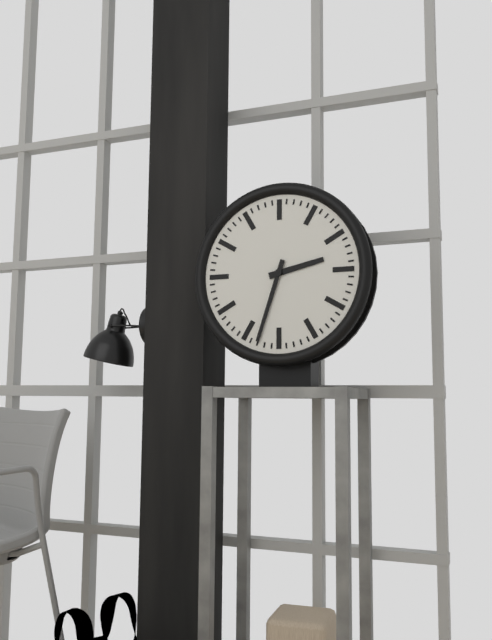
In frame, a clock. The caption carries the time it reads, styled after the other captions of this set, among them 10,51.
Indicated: 2,33
